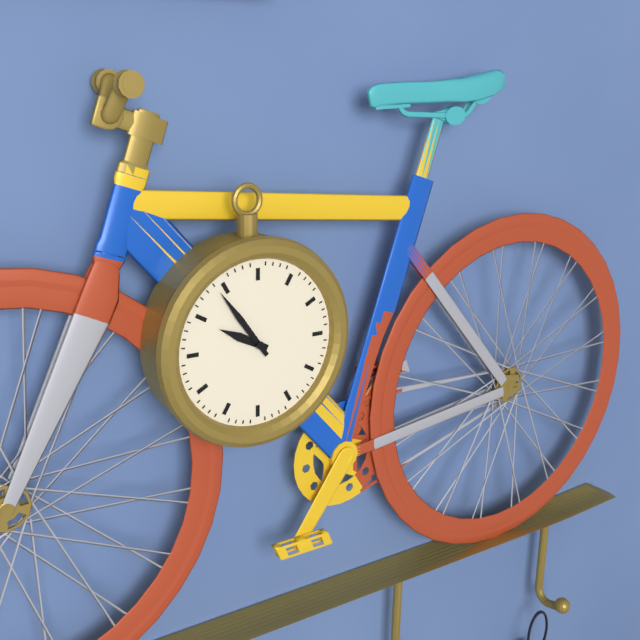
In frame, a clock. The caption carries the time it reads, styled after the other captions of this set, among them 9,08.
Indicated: 9,54
